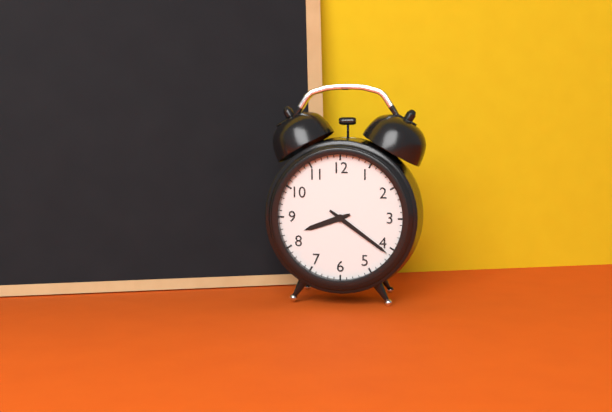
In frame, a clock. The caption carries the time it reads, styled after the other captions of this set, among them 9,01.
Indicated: 8,21
